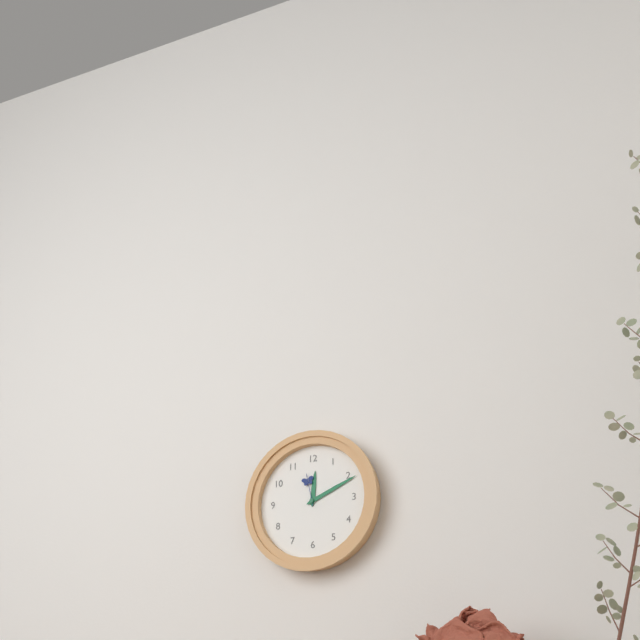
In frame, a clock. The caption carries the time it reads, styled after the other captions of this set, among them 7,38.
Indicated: 12,11
